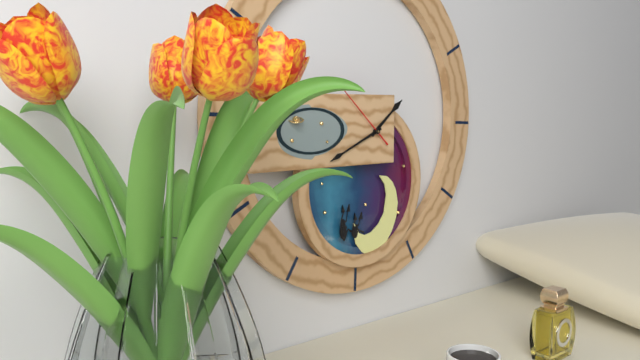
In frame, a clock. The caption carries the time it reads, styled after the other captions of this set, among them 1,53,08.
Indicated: 1,41,52
